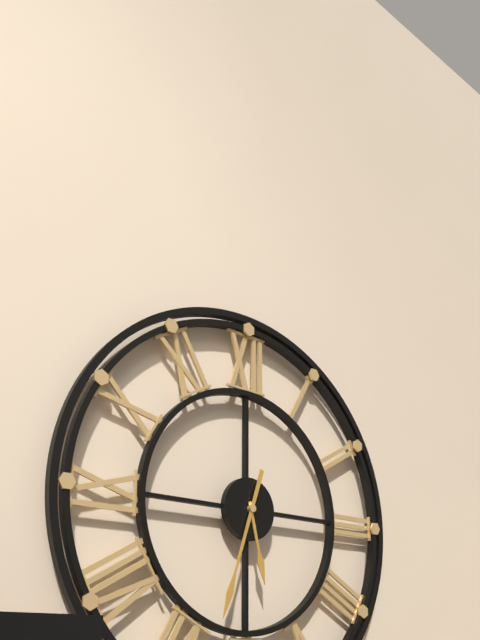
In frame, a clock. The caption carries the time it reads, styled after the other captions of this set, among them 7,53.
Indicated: 5,33
